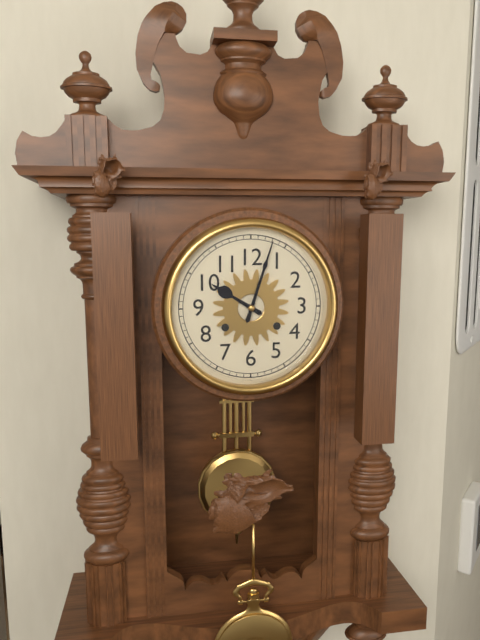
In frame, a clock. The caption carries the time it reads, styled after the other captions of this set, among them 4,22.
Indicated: 10,03
